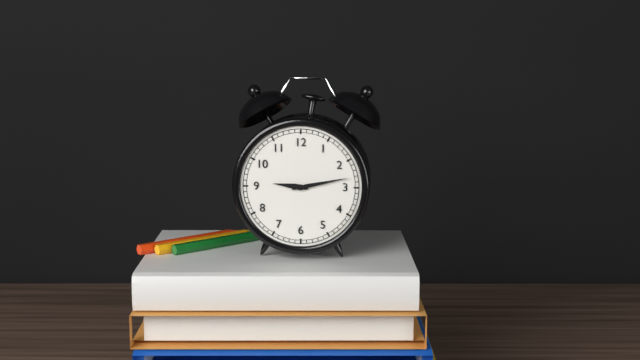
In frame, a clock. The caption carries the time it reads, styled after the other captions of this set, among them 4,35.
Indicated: 9,13
